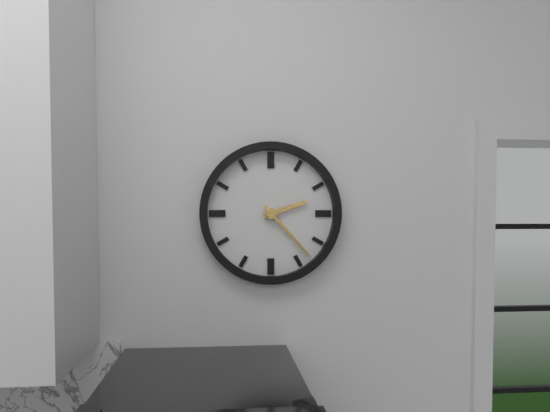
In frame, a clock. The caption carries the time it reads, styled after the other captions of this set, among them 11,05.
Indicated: 2,23
